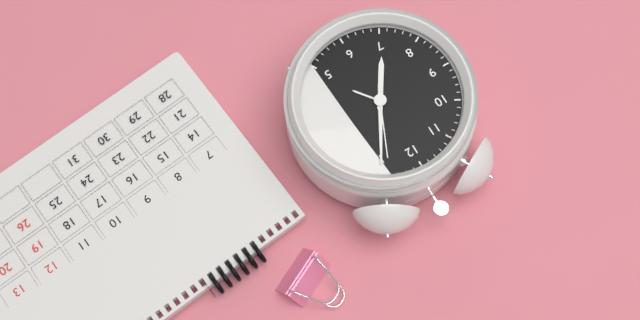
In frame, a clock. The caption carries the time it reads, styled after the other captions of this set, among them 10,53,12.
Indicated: 7,05,04
